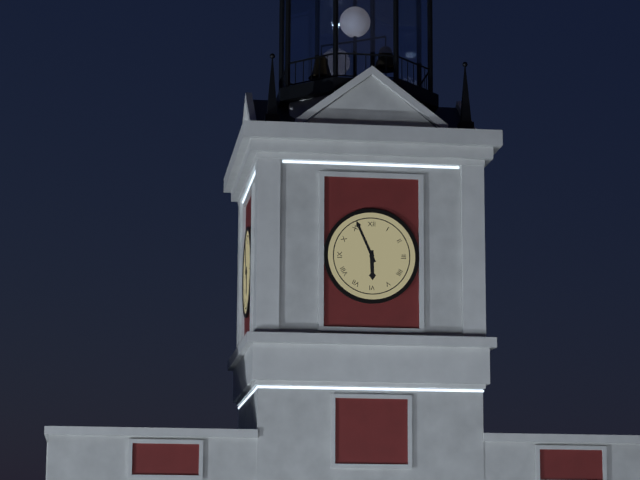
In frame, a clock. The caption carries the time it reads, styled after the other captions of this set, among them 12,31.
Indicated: 5,56
